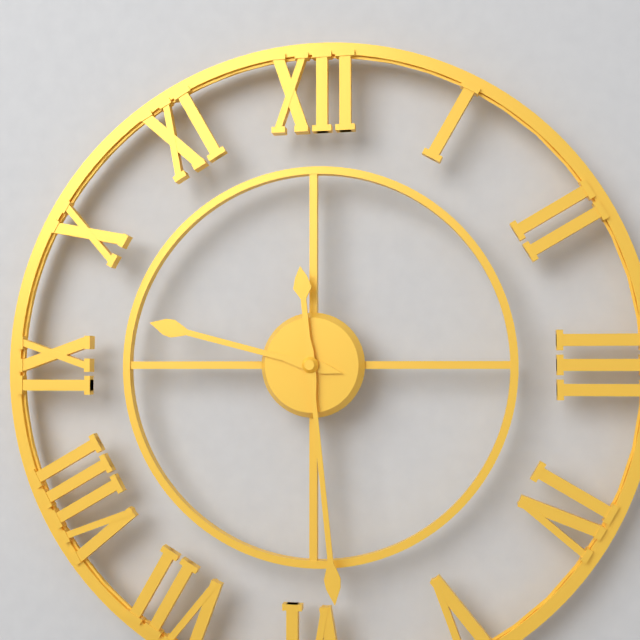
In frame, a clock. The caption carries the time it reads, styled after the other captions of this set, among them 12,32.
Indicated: 9,29
